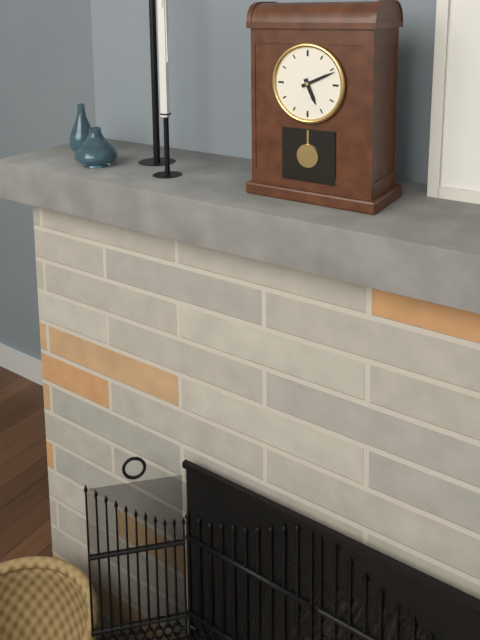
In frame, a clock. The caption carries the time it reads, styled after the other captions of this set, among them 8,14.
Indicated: 5,11
